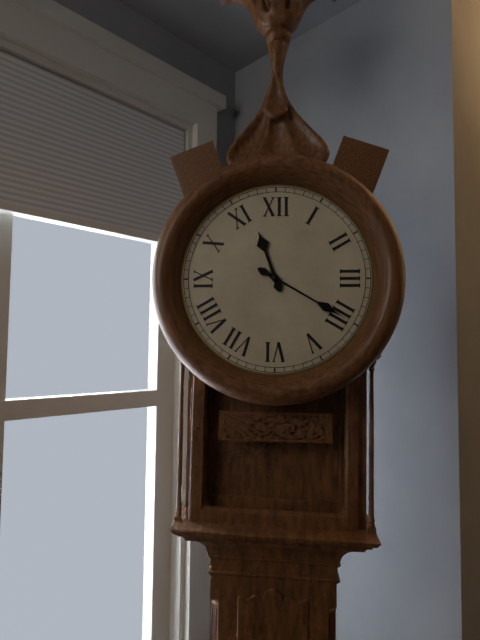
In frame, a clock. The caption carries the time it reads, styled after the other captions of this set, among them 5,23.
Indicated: 11,20
